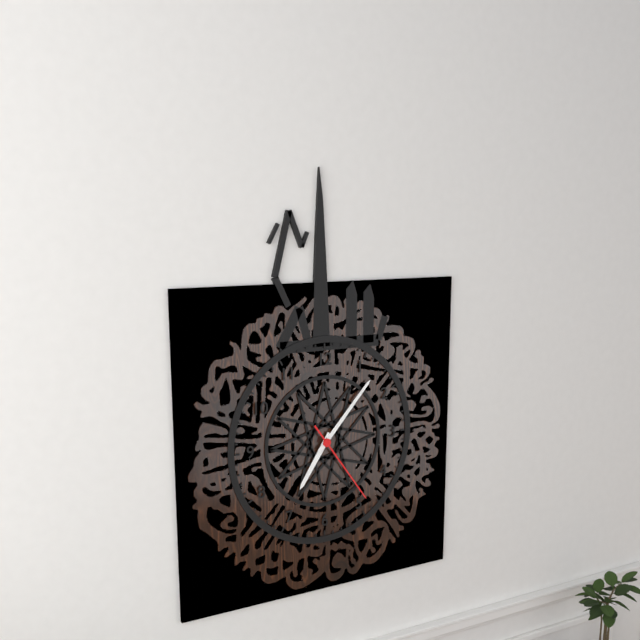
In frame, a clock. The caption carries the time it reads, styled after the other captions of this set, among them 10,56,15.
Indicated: 7,07,24
